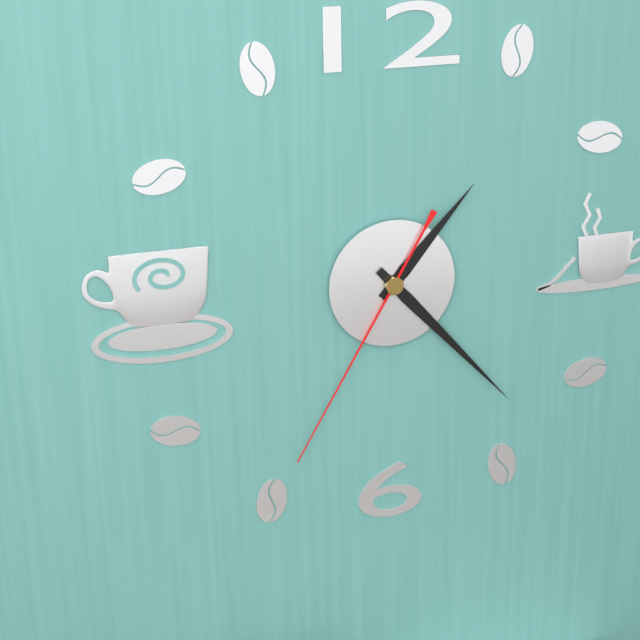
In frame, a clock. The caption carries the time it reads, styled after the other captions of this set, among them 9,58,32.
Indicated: 1,23,35
